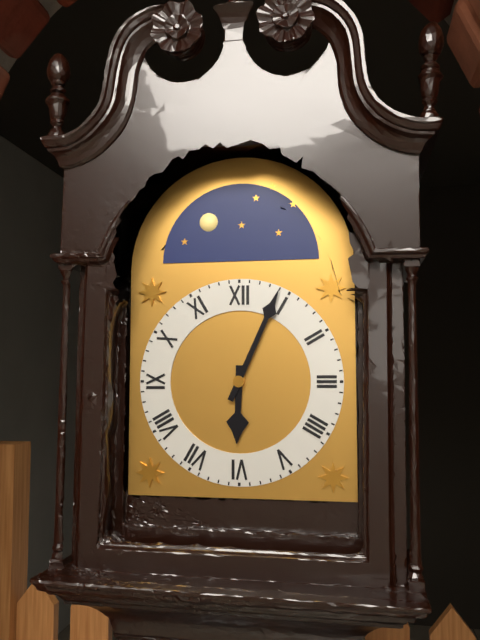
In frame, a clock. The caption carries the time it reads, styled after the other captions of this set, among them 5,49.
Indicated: 6,04
